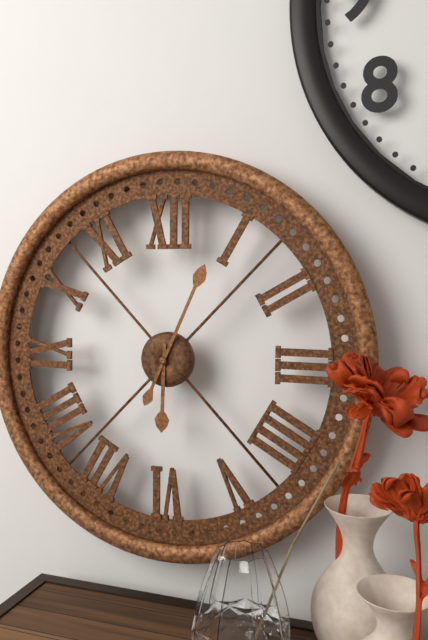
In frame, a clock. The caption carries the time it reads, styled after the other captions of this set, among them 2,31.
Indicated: 6,04
